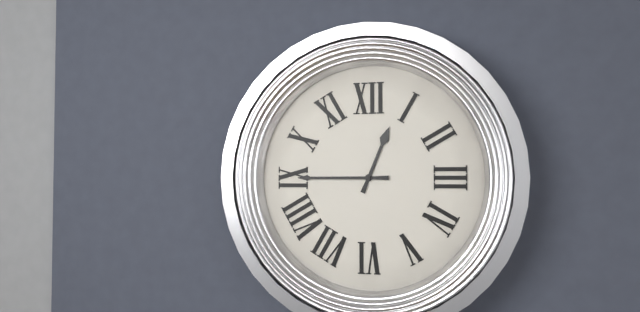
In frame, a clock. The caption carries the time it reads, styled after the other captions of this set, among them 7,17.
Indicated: 12,45
